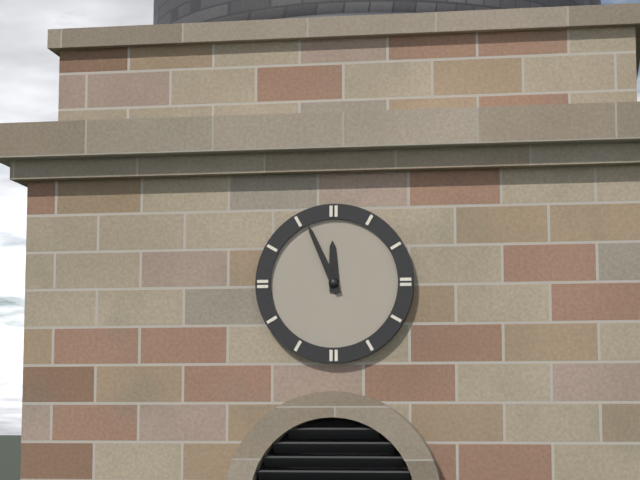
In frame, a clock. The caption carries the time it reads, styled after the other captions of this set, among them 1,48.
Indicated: 11,56
